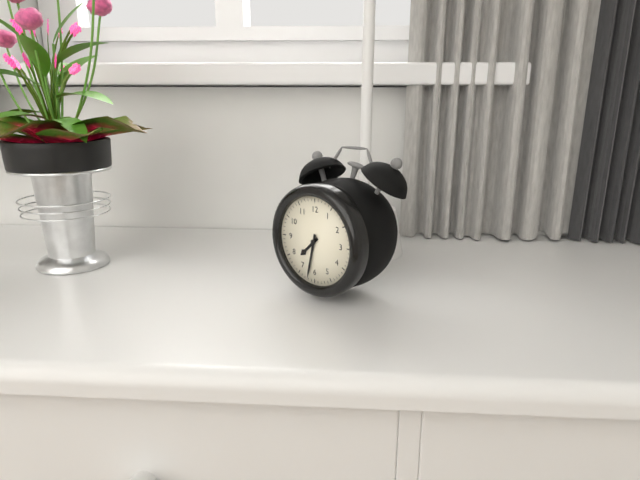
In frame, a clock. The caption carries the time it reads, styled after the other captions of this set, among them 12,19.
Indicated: 7,32
